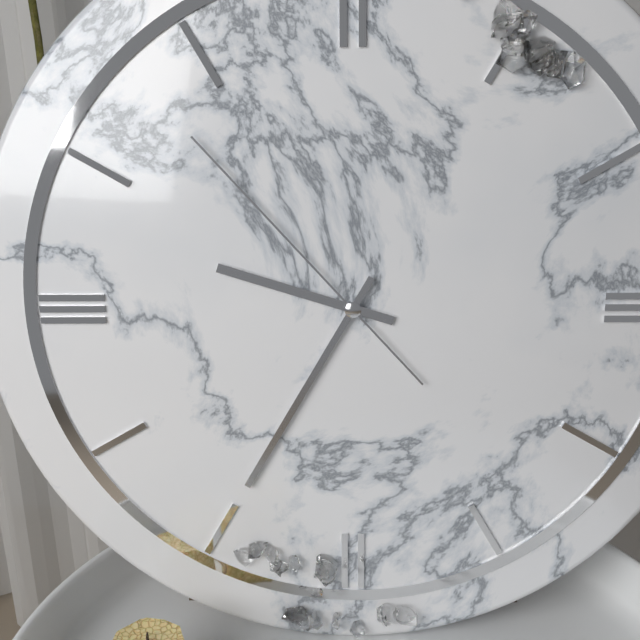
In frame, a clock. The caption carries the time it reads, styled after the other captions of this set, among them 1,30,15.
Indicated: 9,35,53
